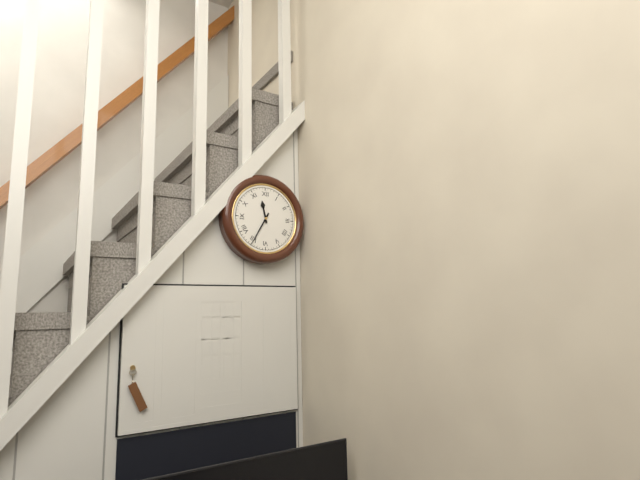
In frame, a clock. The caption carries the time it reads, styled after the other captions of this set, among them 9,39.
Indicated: 11,35
